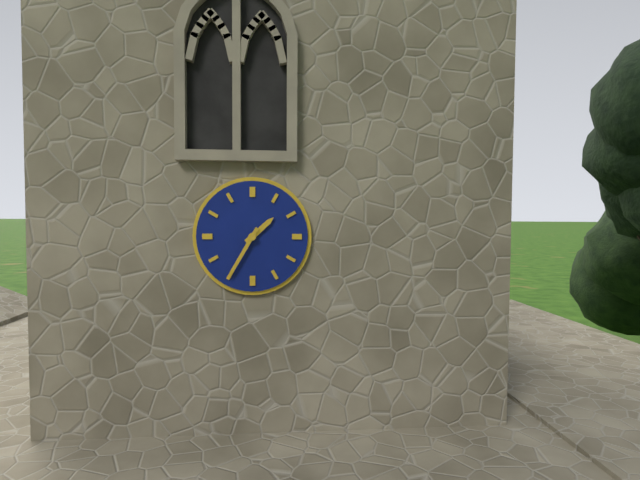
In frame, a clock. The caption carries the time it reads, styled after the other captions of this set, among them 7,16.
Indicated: 1,35
